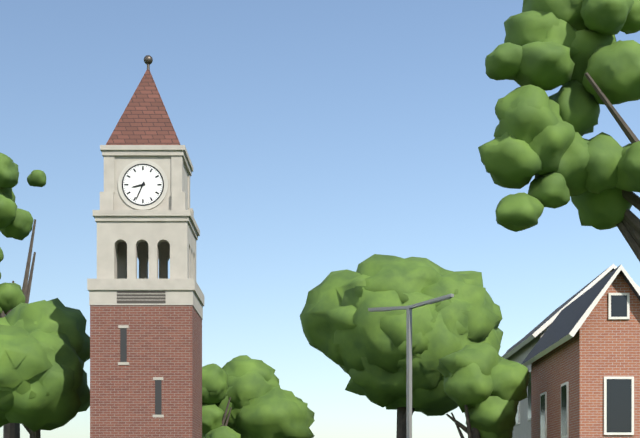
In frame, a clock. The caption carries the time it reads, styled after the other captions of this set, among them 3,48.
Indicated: 8,34
